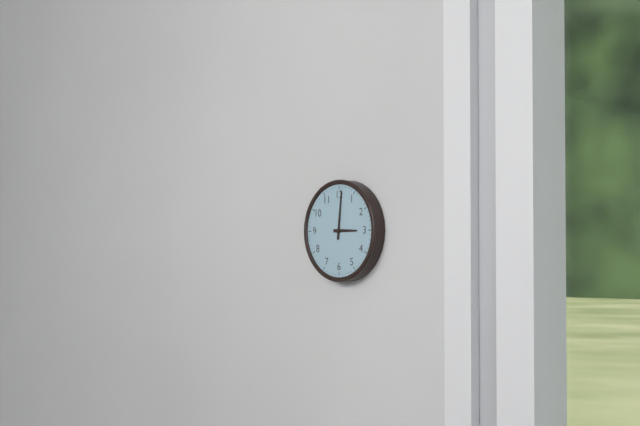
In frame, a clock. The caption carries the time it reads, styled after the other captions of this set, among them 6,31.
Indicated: 3,01
